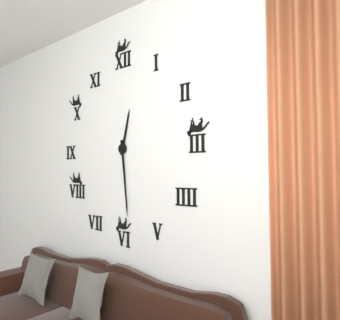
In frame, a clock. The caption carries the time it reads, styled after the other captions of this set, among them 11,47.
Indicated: 12,29
